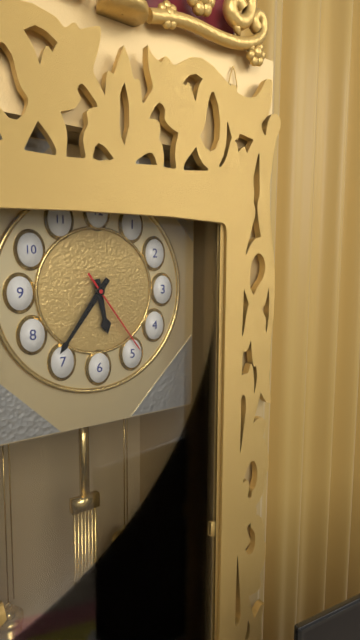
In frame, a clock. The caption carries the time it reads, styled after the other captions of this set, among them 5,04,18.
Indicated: 5,36,24
